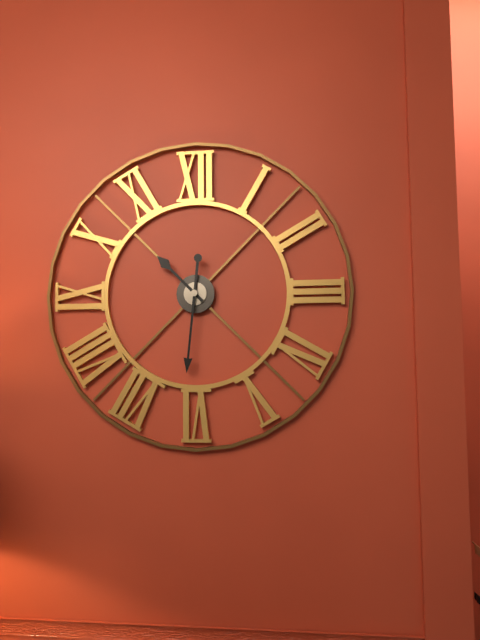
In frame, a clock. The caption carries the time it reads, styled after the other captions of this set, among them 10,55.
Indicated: 10,31
